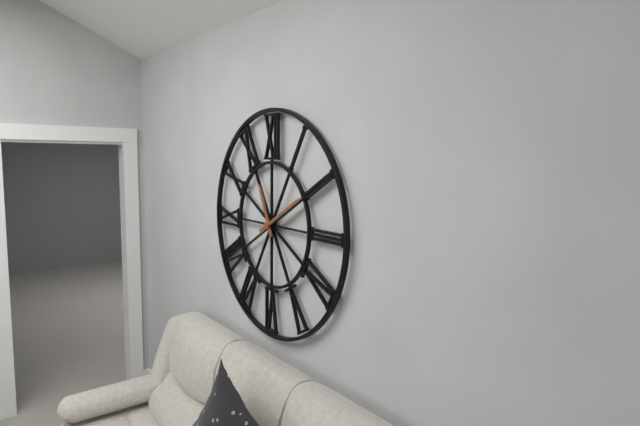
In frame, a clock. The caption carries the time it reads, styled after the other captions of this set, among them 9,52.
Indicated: 11,10
